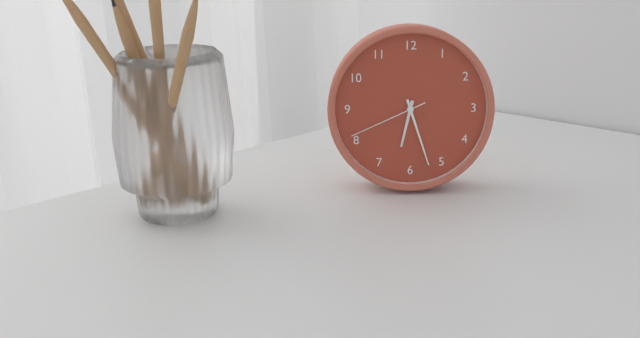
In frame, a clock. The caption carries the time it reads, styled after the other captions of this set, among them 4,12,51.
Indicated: 6,27,41
